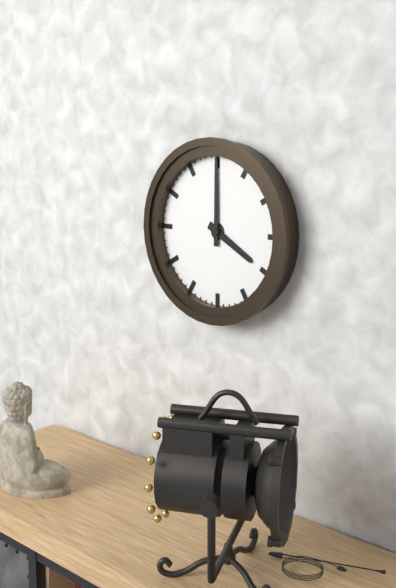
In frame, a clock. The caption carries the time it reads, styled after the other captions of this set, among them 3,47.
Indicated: 4,00
